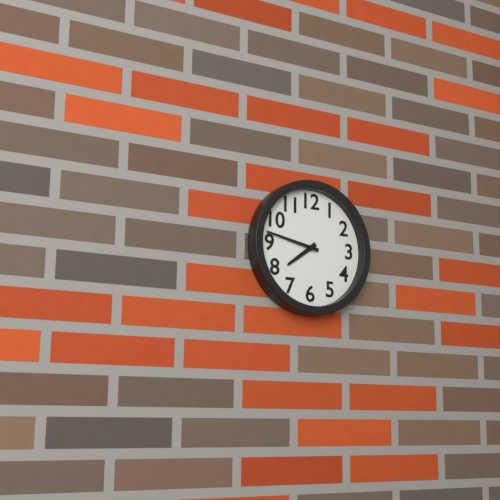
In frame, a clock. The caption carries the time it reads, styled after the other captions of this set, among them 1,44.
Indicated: 7,47
